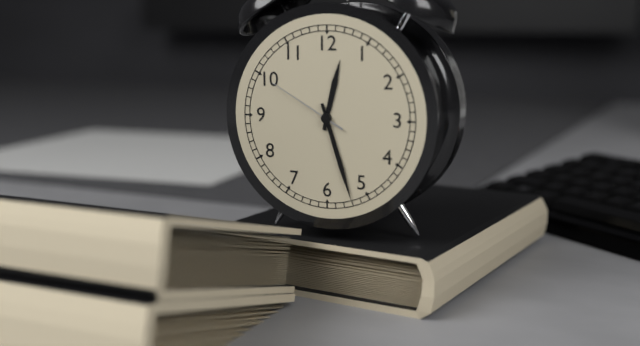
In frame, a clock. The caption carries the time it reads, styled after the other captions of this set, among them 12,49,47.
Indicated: 12,27,50
